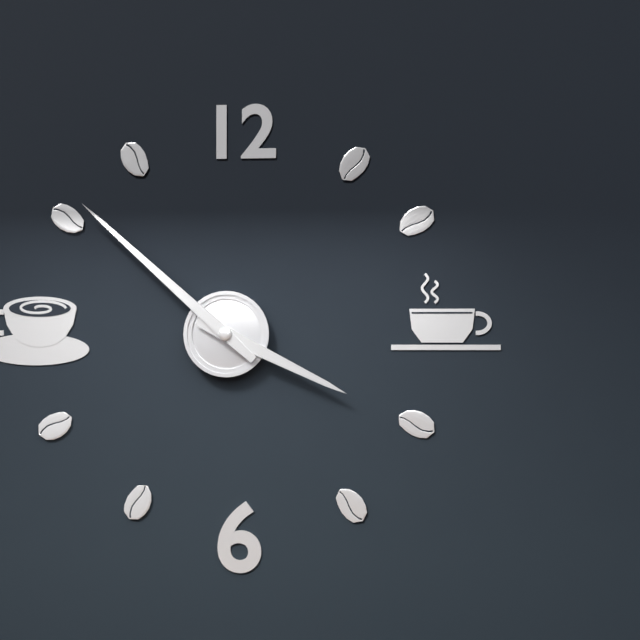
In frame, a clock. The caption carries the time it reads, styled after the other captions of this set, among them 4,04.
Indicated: 3,52
